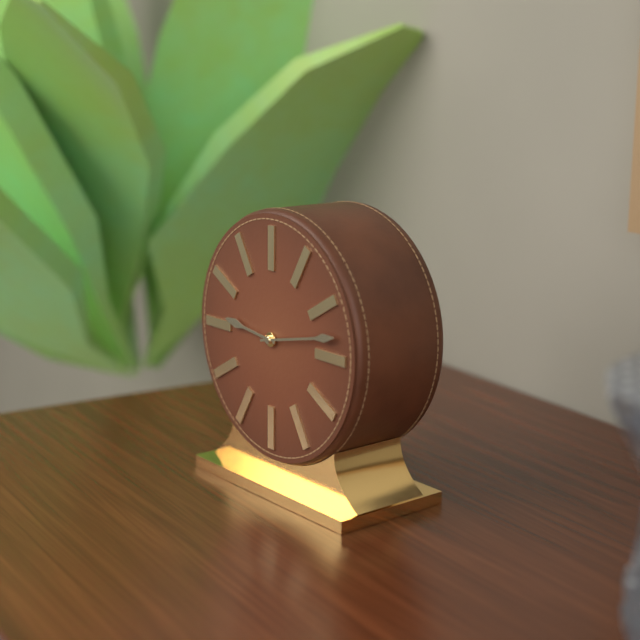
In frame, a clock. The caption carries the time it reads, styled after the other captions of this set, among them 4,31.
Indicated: 9,13
